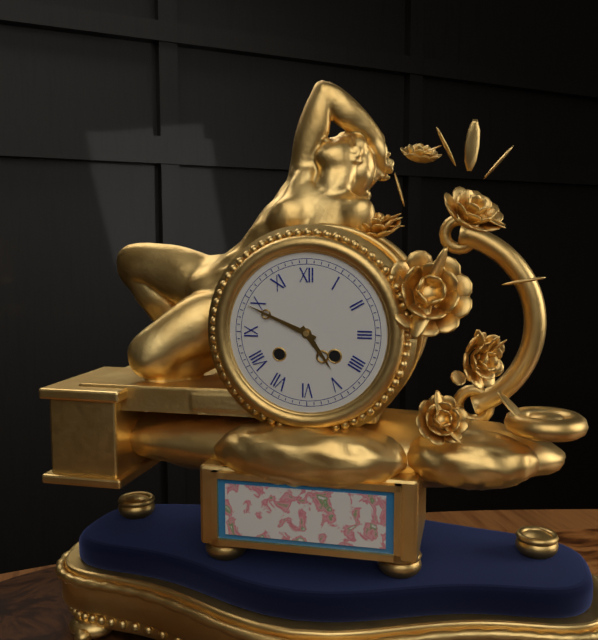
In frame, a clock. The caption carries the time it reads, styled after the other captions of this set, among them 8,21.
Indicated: 4,49
